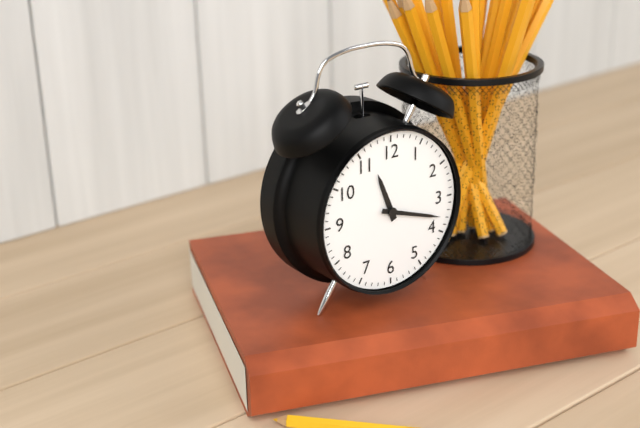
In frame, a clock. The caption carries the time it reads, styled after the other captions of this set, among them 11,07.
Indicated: 11,18
